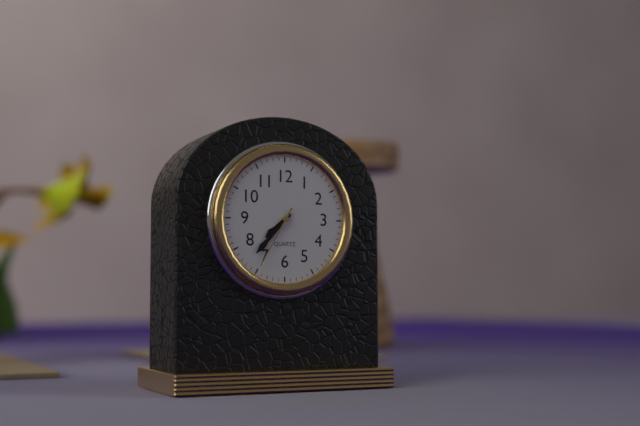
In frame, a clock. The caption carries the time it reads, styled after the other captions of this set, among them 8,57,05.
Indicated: 7,37,35
